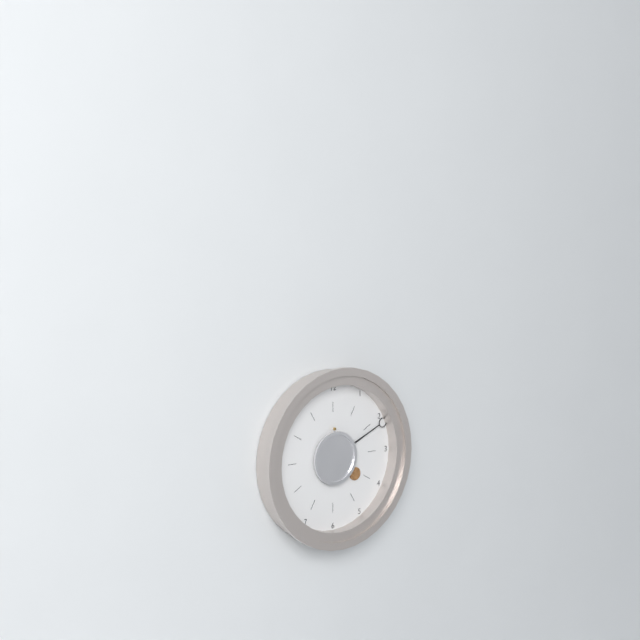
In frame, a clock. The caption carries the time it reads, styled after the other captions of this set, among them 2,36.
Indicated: 4,11
